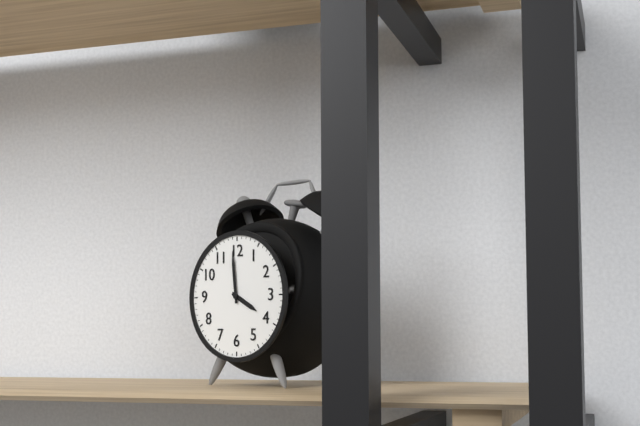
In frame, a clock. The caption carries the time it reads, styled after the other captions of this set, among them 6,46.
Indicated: 3,59
